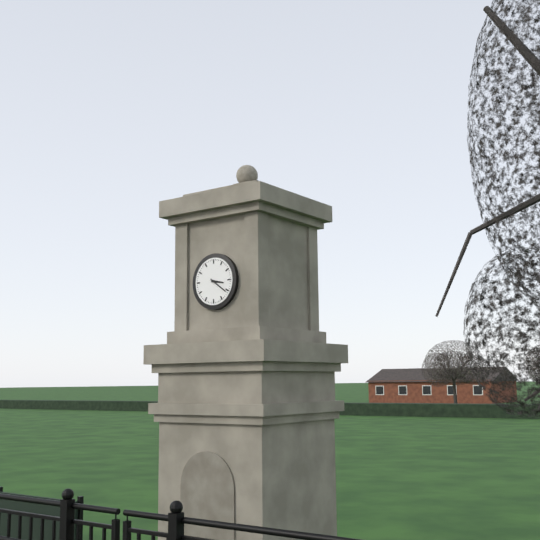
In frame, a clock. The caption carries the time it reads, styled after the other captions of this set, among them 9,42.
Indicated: 3,21
